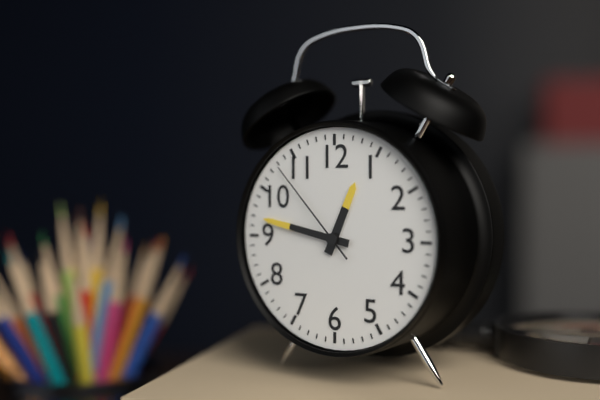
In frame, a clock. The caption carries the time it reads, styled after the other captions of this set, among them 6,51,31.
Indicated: 12,47,53
